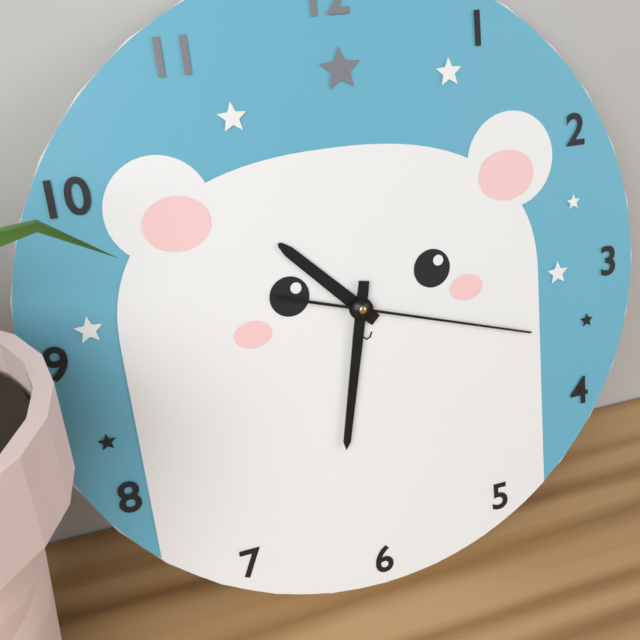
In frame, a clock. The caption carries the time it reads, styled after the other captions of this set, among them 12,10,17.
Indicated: 10,32,18
